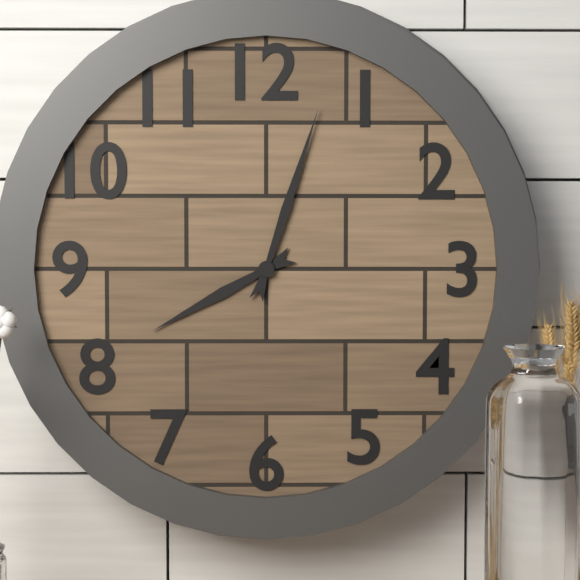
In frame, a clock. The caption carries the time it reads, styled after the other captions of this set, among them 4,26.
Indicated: 8,03
